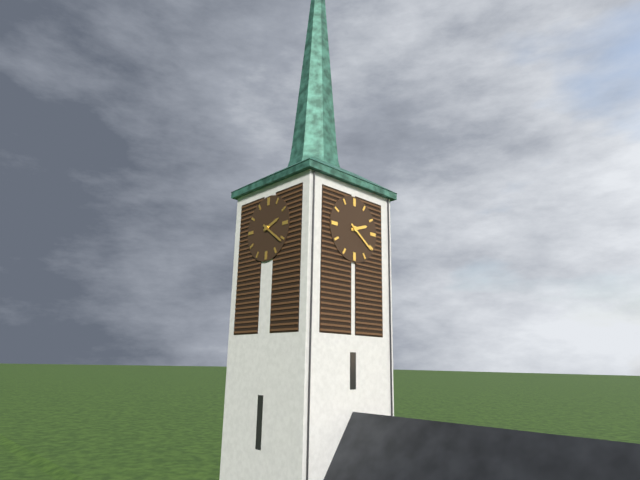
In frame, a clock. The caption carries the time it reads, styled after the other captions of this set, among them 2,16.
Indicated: 2,21
